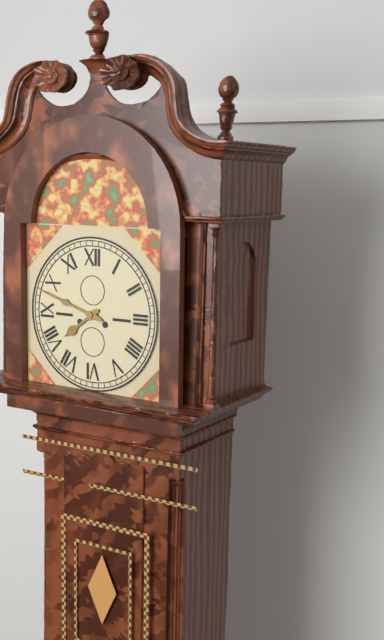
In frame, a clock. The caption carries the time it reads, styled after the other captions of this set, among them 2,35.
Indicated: 7,48
